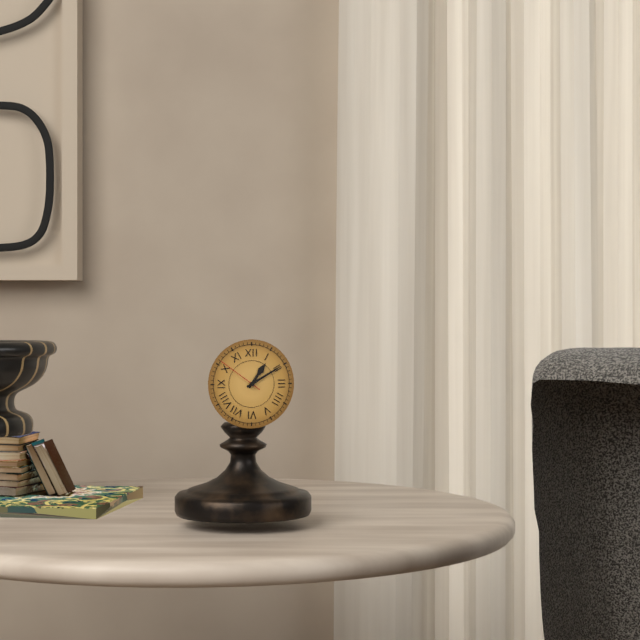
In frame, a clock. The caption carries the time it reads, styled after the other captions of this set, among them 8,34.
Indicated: 1,10
